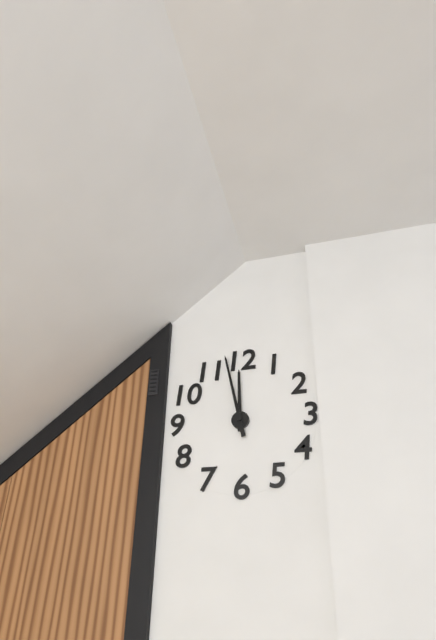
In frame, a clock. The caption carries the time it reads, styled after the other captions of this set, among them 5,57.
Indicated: 11,58
